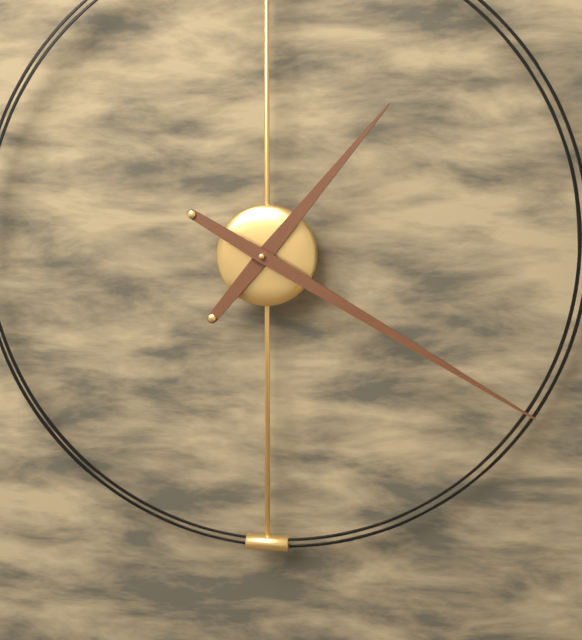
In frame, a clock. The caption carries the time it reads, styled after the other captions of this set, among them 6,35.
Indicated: 1,20
